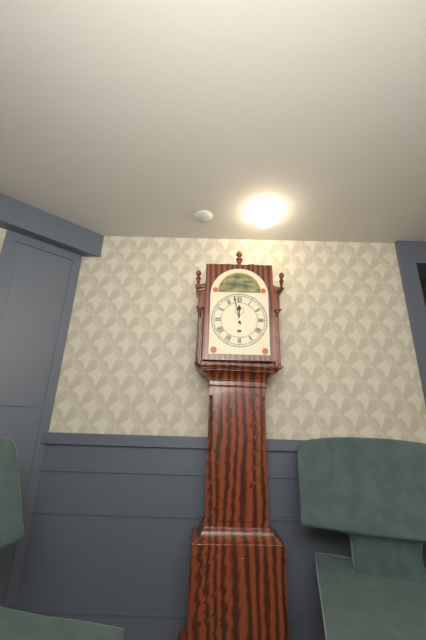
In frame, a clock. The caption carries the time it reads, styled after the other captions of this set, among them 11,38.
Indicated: 11,58
